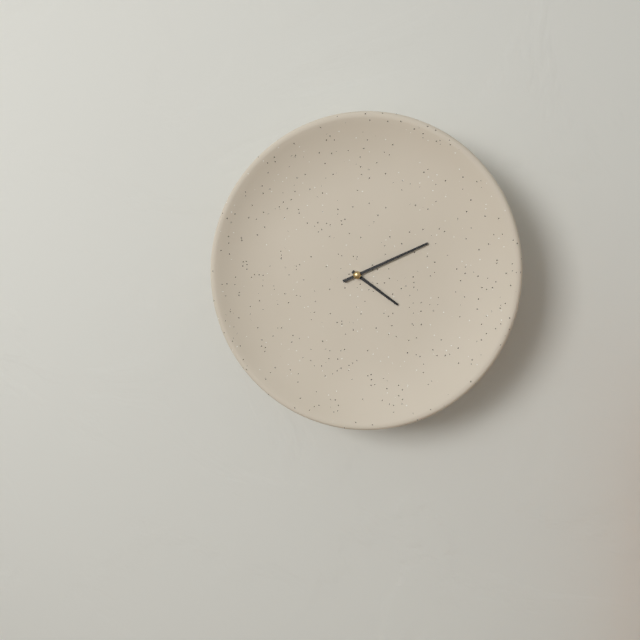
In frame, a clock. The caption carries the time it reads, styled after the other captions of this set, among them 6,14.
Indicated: 4,11
